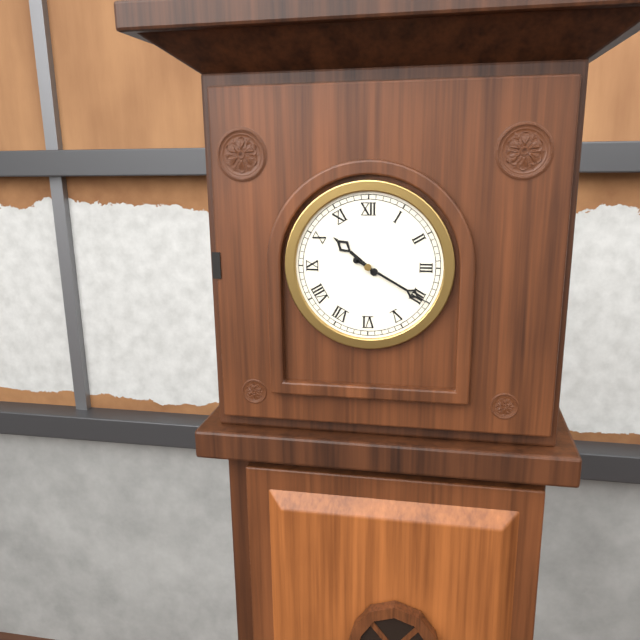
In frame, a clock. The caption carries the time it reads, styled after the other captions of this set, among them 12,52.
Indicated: 10,20
